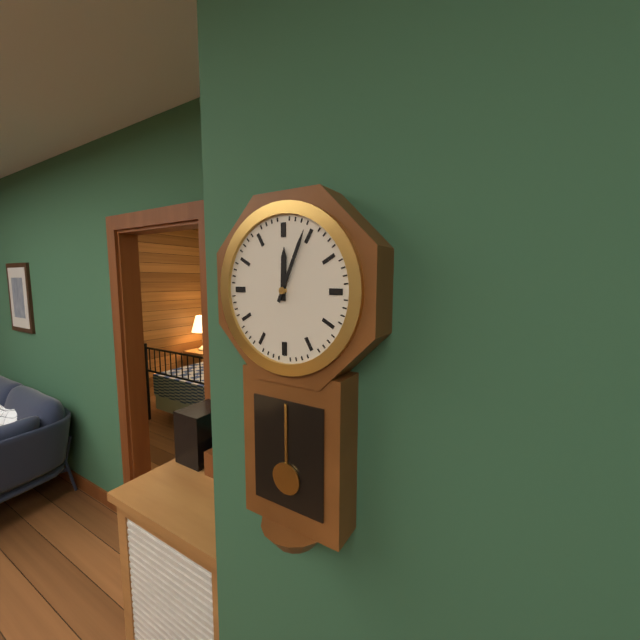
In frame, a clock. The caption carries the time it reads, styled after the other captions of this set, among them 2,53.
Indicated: 12,04
